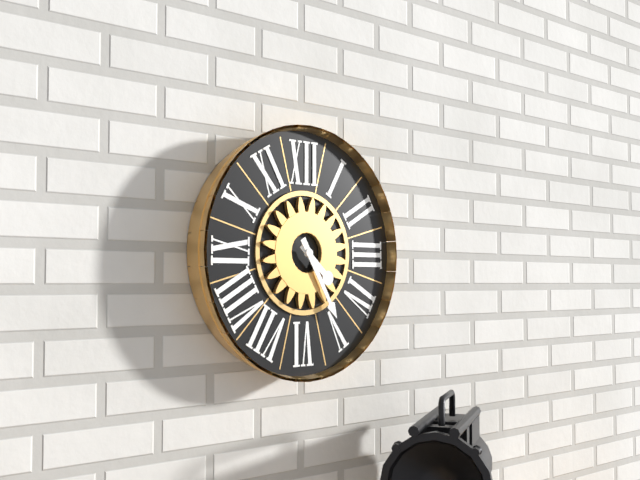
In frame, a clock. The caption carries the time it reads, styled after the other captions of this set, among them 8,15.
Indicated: 4,25
